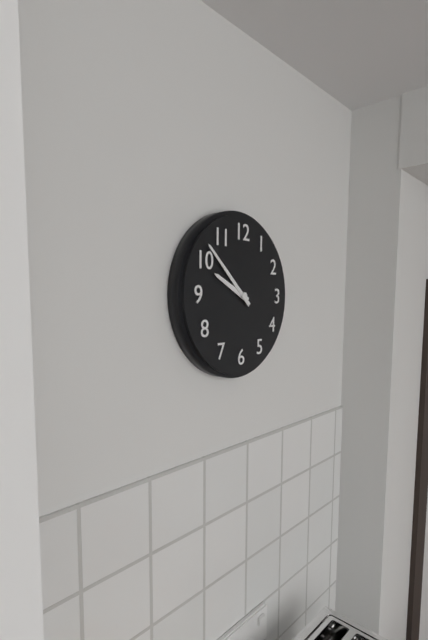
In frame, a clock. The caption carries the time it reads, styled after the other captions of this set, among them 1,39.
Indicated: 9,52
